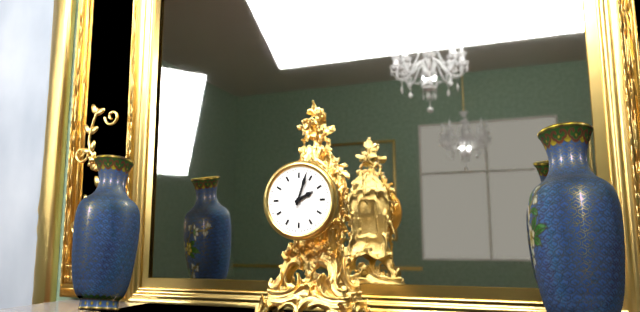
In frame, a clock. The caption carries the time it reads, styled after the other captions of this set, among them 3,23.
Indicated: 2,03
